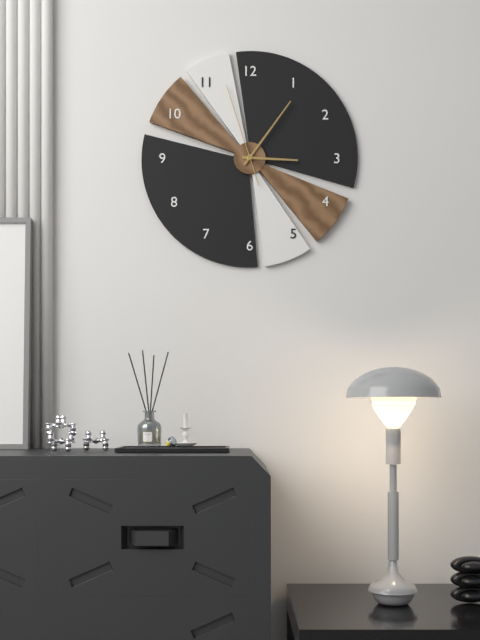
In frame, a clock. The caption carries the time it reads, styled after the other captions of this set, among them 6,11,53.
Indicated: 3,06,57
